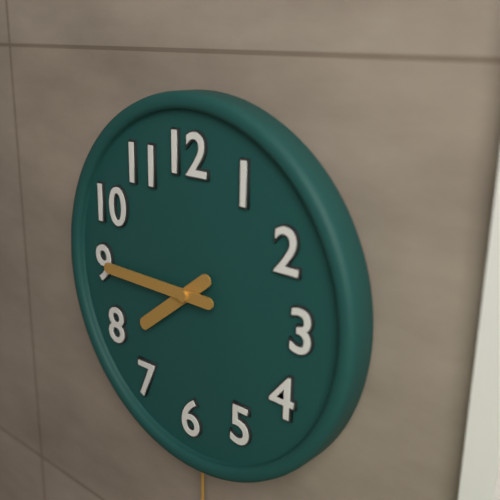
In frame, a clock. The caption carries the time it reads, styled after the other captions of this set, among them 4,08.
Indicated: 7,45
